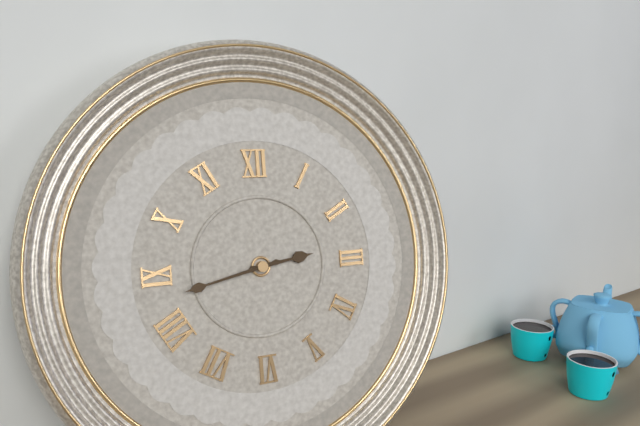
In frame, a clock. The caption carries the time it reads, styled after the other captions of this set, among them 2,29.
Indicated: 2,43
